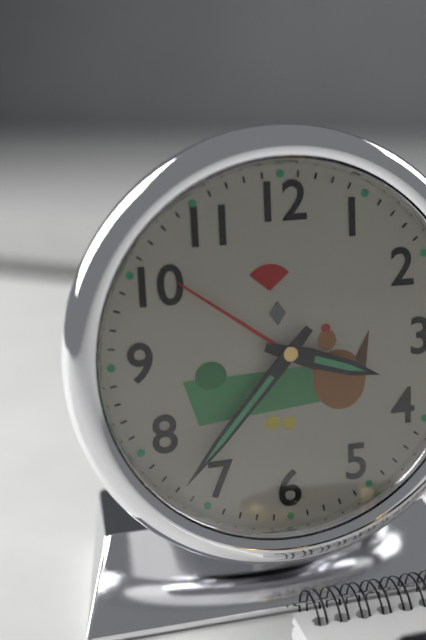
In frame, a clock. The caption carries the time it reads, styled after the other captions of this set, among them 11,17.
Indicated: 3,37
